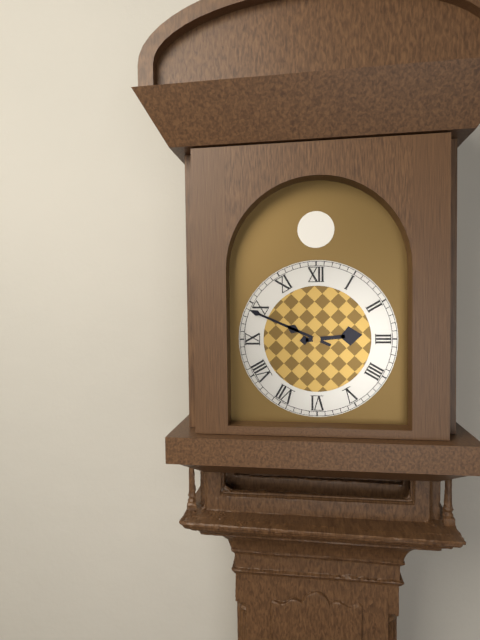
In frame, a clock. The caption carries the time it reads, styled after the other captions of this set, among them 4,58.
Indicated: 2,49
